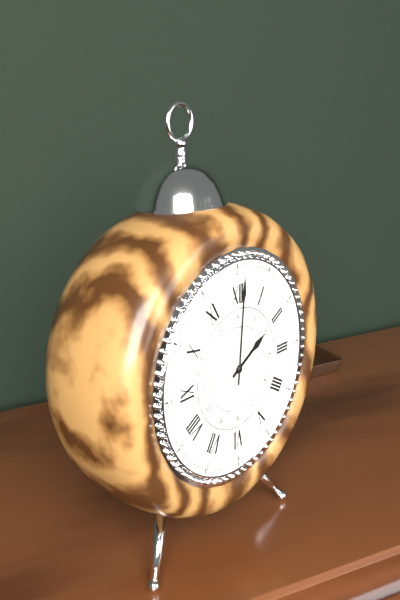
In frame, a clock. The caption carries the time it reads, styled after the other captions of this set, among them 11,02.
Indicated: 2,01
